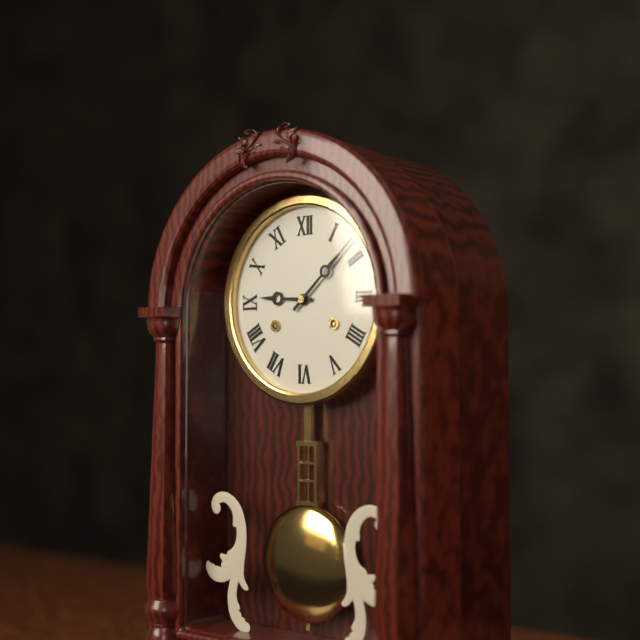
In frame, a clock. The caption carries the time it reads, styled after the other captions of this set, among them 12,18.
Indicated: 9,08
